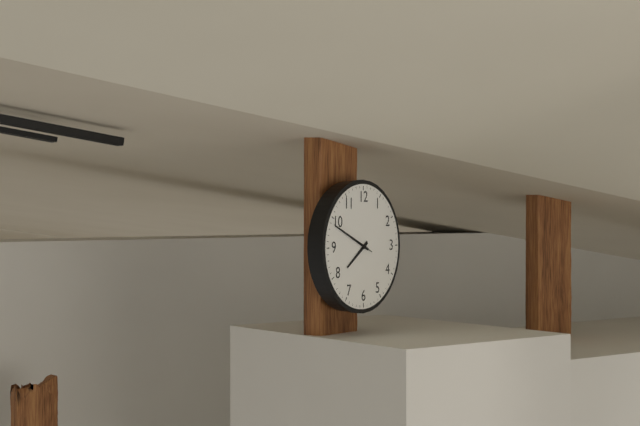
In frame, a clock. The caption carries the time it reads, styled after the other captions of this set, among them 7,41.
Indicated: 7,49
